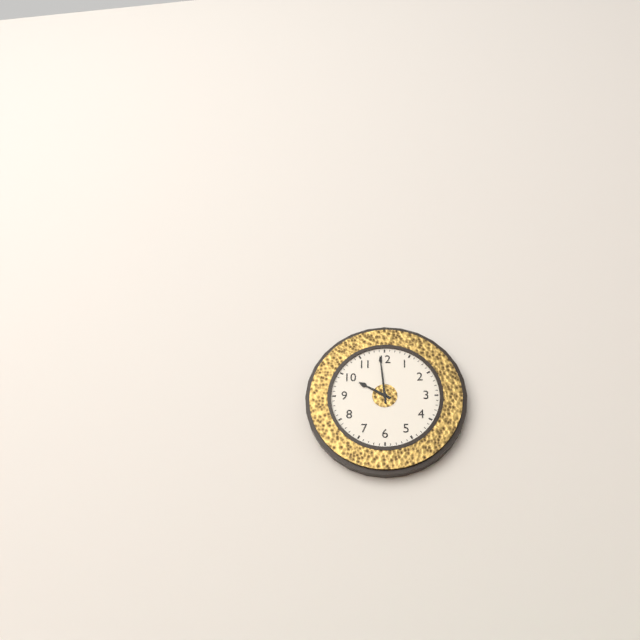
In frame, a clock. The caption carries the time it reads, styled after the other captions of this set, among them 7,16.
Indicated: 9,59
